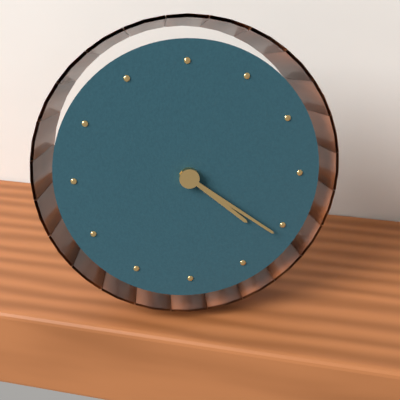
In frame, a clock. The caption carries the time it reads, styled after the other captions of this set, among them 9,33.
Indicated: 4,21
